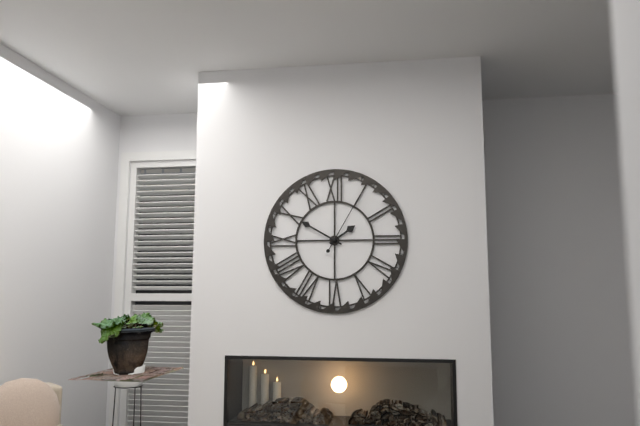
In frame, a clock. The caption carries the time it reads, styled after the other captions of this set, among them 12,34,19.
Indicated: 1,50,05
